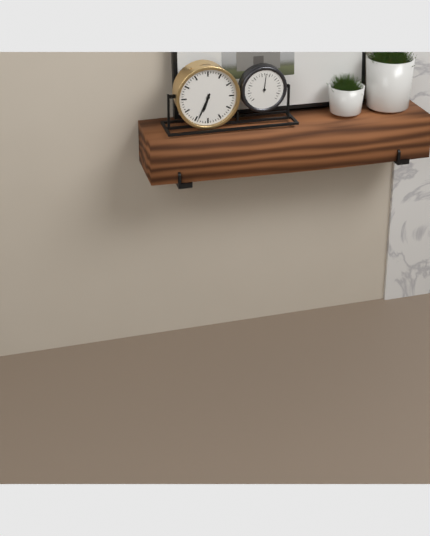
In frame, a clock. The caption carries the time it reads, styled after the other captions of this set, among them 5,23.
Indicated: 6,34
